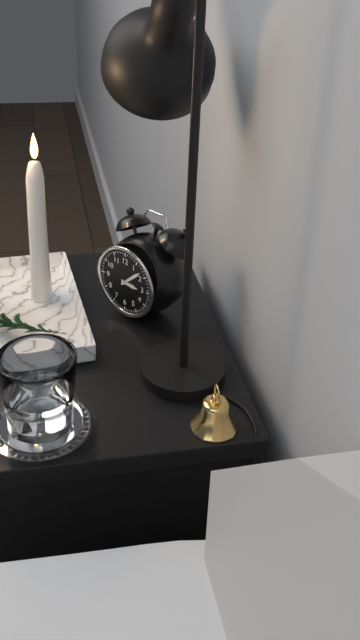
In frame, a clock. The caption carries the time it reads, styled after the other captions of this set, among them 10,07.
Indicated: 3,08
